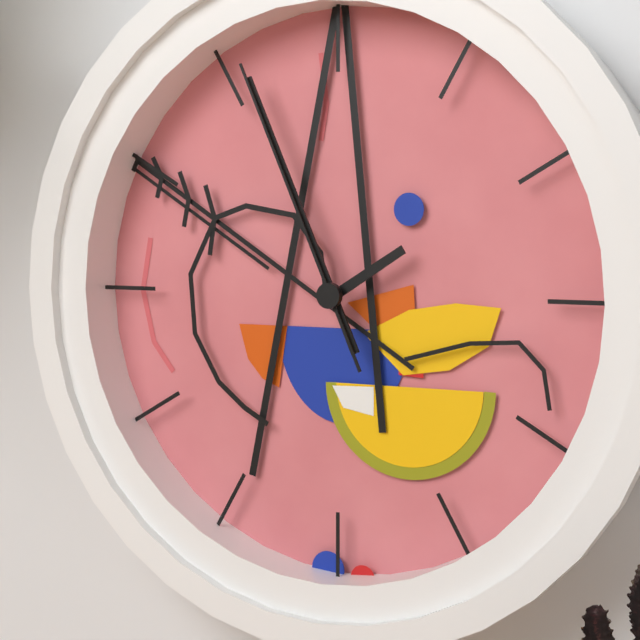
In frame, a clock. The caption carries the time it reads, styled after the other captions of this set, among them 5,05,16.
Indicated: 1,56,56
